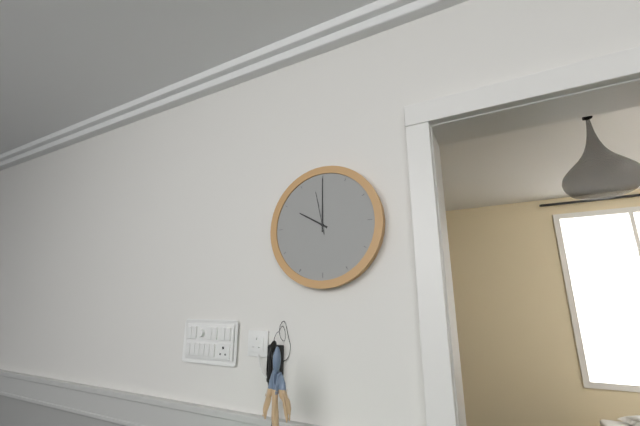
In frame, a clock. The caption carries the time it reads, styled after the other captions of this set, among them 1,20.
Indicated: 10,00
